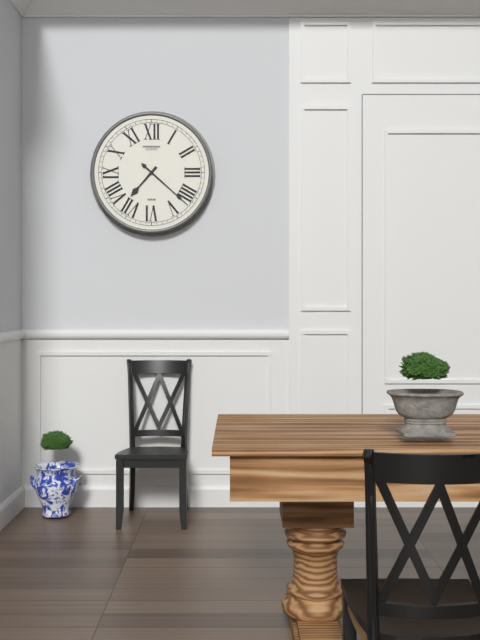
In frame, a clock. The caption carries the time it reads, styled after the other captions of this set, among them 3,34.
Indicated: 7,22
